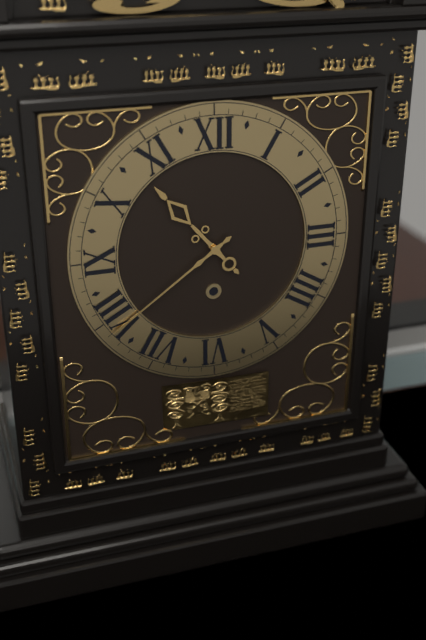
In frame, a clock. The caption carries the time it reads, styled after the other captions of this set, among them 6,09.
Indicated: 10,39
